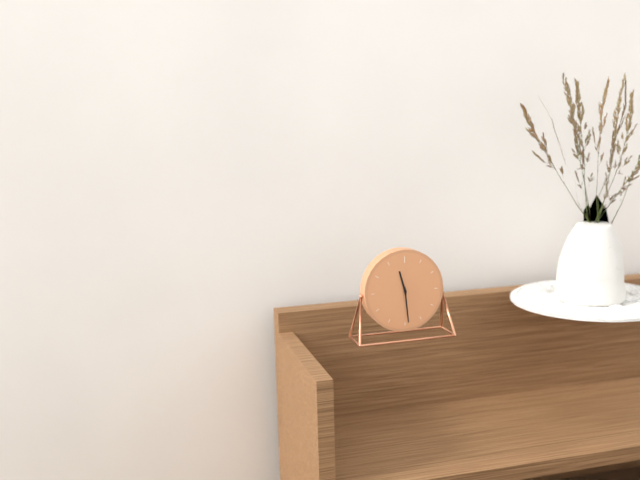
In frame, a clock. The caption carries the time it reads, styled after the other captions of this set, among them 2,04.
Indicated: 11,29
